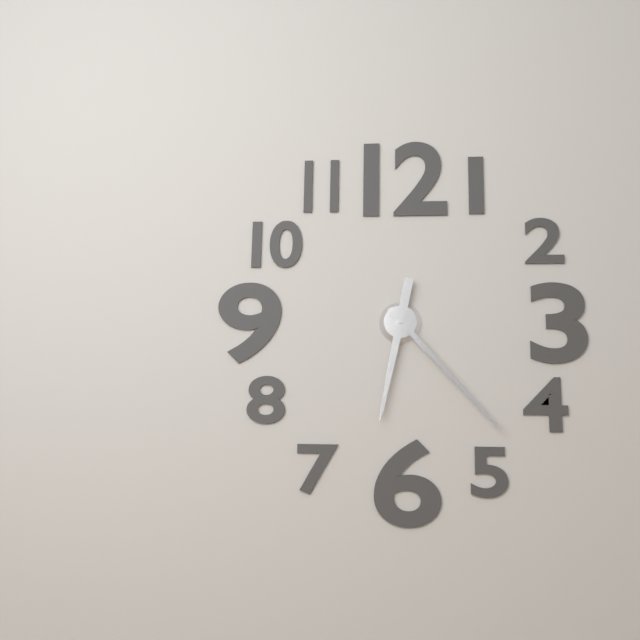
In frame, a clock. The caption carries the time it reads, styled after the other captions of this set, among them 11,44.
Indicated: 6,23
